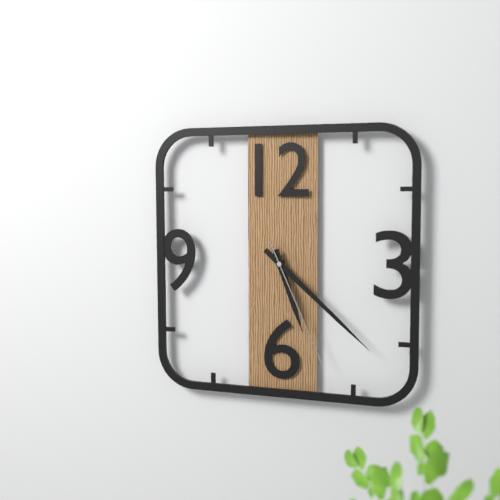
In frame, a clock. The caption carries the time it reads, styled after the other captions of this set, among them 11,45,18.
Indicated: 5,22,26
